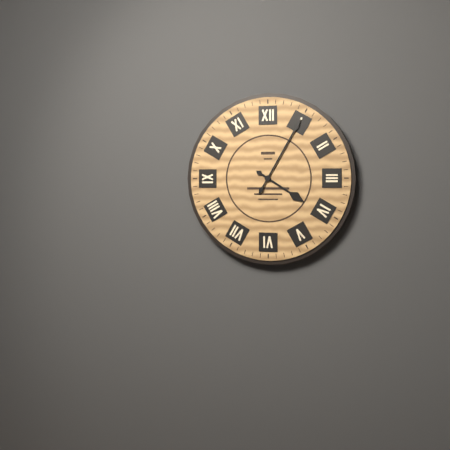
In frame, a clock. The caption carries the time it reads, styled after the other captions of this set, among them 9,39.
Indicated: 4,05
